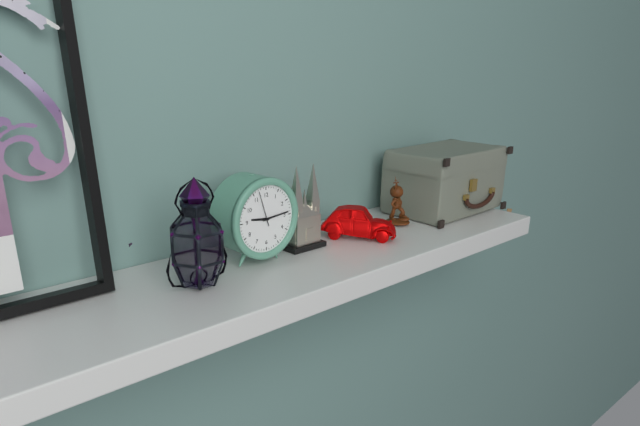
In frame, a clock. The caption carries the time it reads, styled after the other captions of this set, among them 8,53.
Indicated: 9,14
